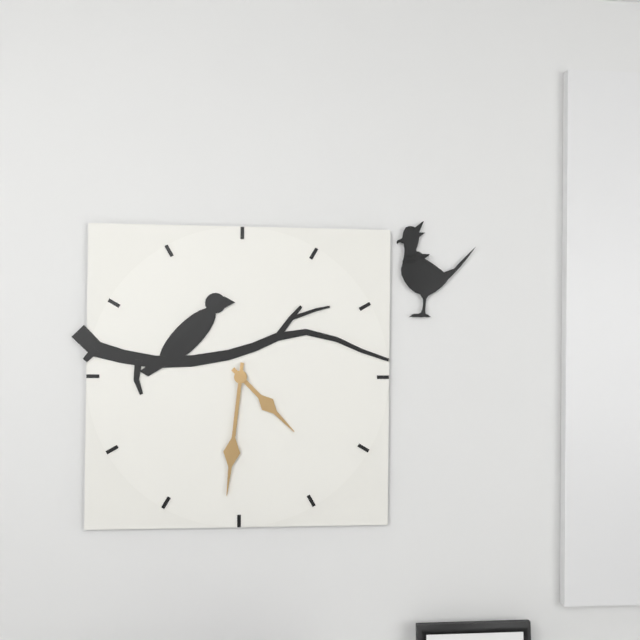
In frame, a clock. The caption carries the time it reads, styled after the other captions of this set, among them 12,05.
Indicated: 4,31
